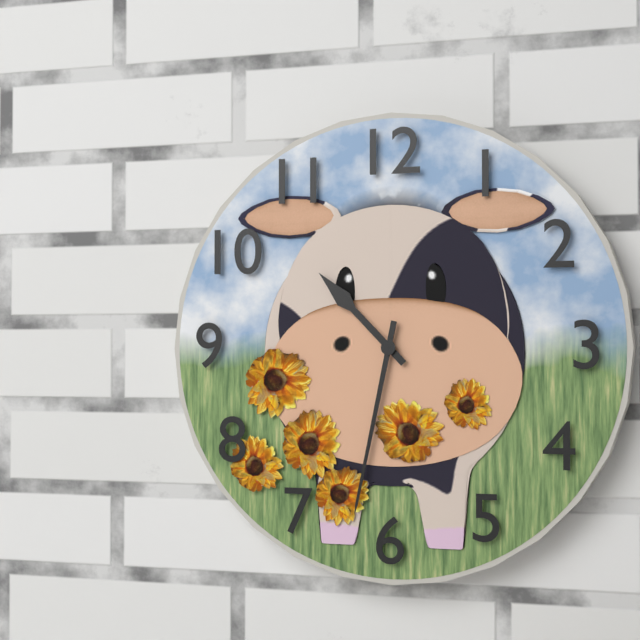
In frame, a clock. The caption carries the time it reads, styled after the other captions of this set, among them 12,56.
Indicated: 10,32
